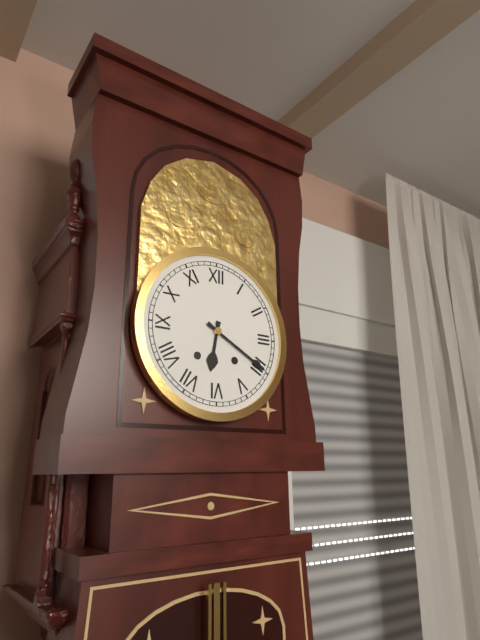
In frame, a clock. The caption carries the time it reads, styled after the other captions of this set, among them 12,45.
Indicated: 6,20
